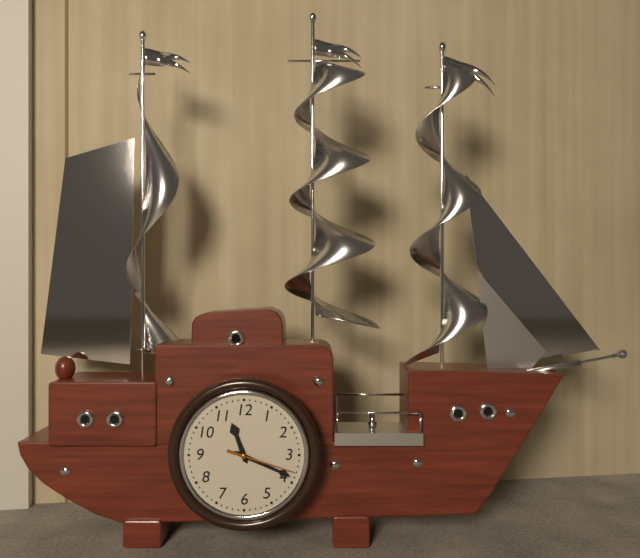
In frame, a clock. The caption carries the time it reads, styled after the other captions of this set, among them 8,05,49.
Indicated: 11,19,18
